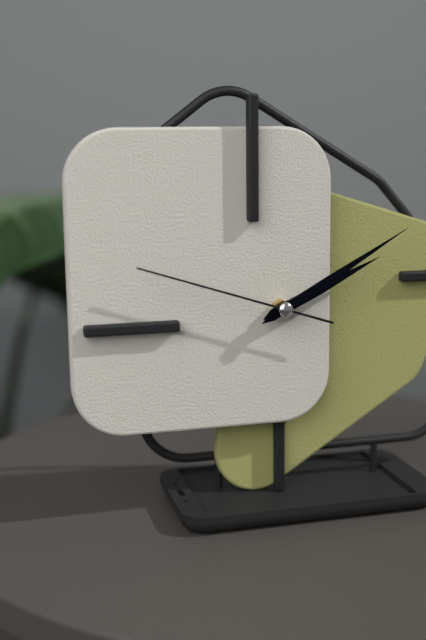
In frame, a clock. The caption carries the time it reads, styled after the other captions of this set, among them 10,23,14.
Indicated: 2,10,48
